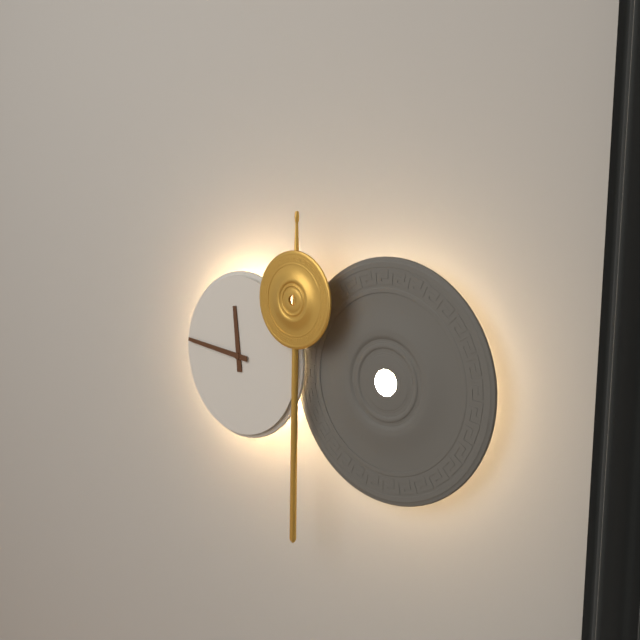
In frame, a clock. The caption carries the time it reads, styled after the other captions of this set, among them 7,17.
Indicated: 11,46
